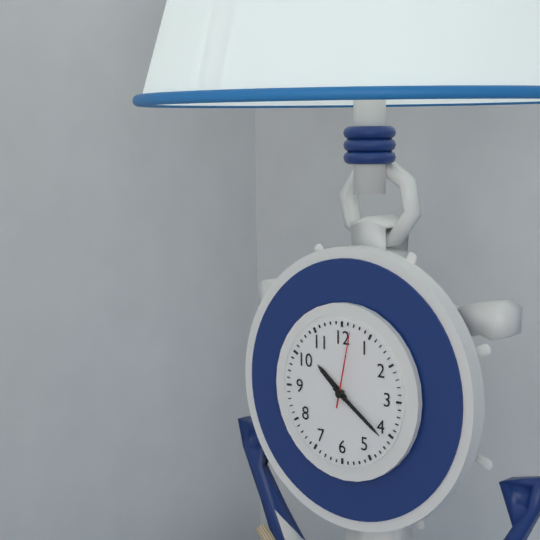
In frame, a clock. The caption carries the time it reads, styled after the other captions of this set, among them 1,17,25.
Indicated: 10,21,02
